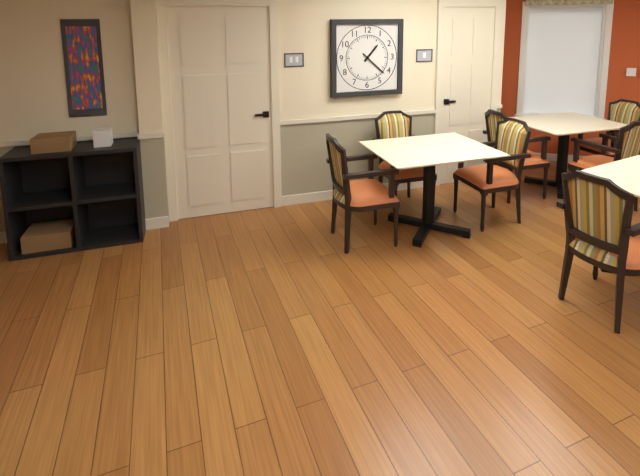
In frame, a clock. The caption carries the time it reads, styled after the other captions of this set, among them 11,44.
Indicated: 1,22
